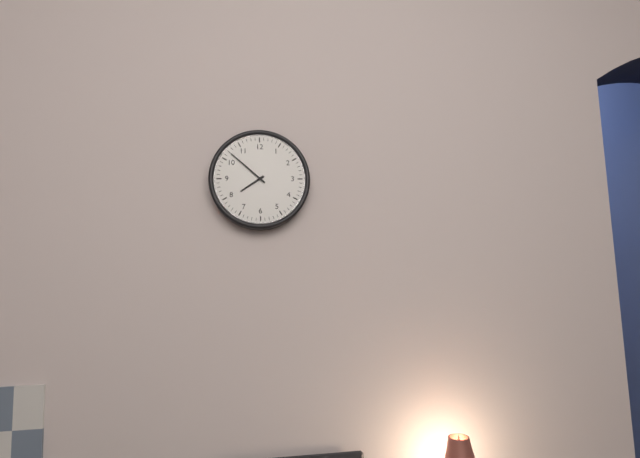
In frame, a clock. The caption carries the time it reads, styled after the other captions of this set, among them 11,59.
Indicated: 7,52
